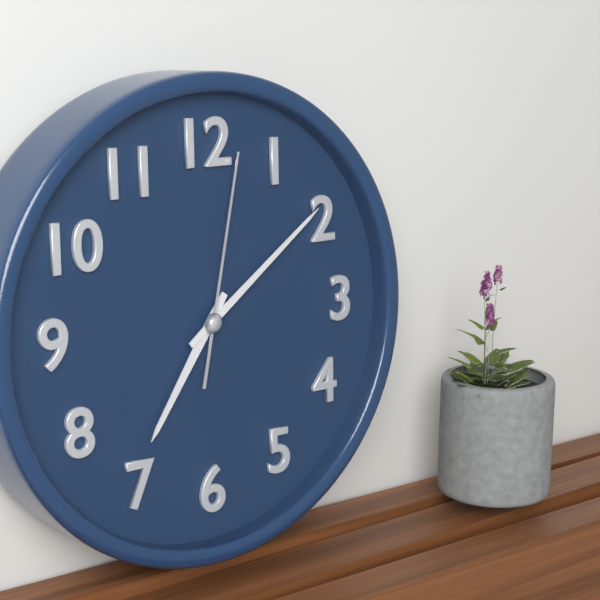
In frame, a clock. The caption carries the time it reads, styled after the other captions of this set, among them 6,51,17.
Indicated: 7,09,02
